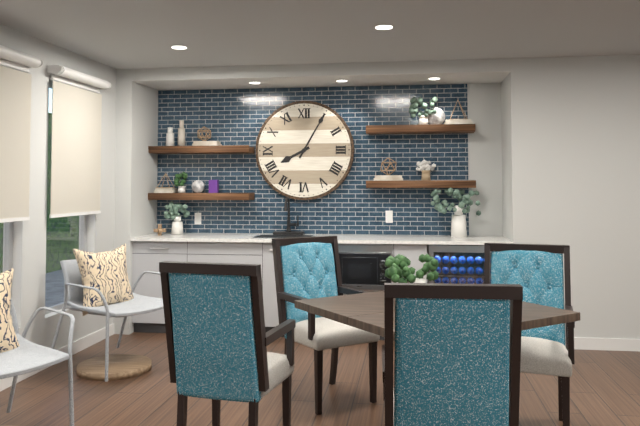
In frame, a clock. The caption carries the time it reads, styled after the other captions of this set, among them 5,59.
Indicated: 8,05
